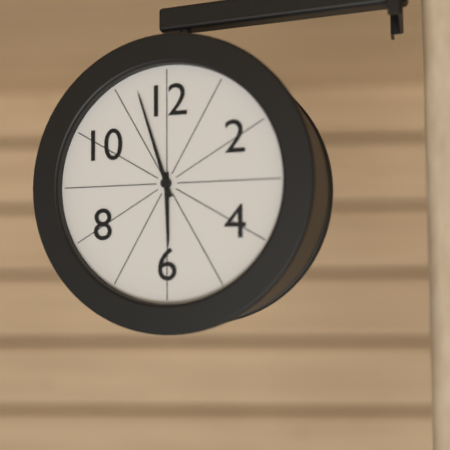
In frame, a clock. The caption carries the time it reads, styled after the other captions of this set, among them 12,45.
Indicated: 5,57
